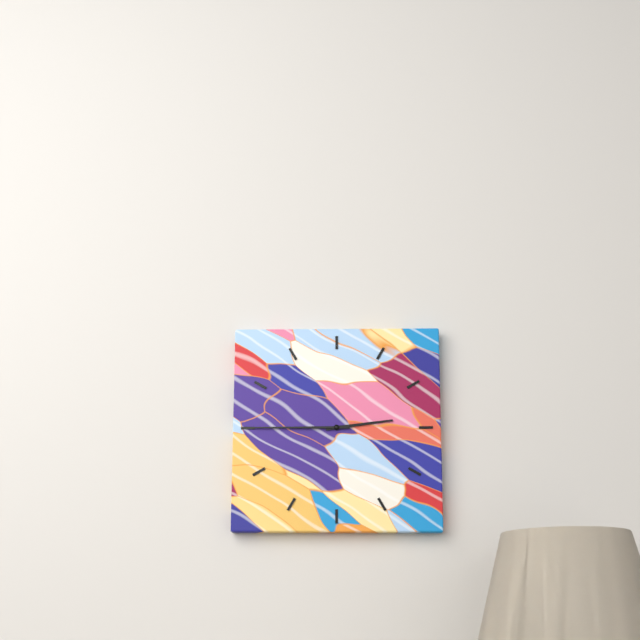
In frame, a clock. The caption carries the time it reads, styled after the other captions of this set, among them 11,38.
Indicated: 2,45
